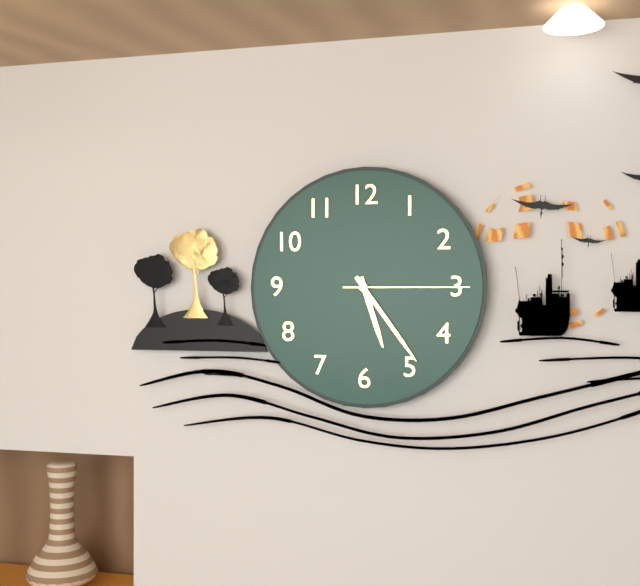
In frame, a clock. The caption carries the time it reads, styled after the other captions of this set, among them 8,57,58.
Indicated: 5,24,15
